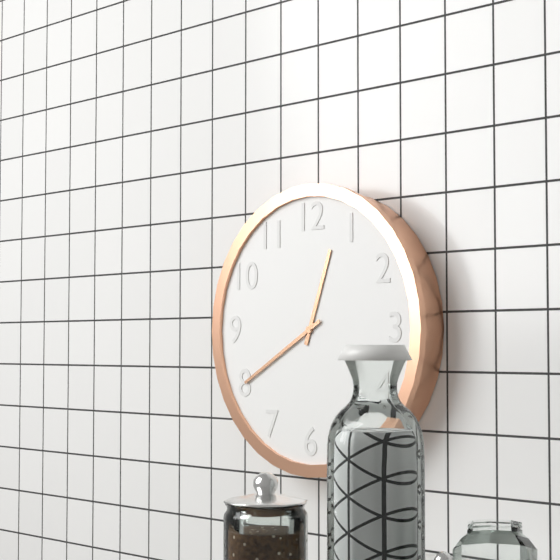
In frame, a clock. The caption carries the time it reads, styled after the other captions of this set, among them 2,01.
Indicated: 12,40
